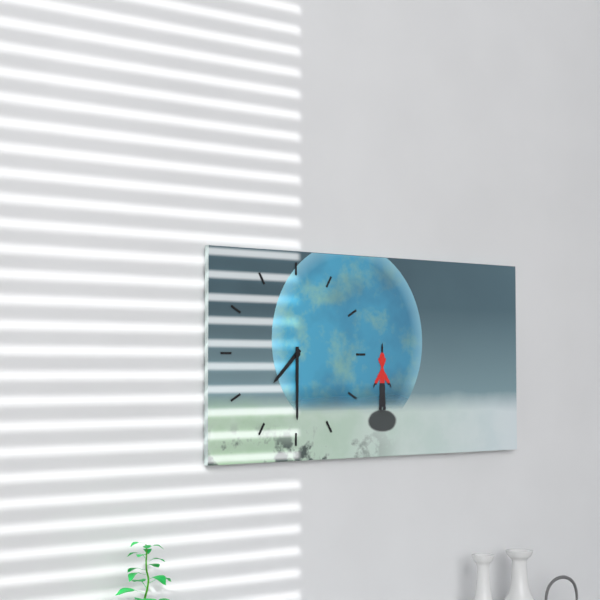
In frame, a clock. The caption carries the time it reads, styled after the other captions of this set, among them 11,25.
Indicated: 7,30
